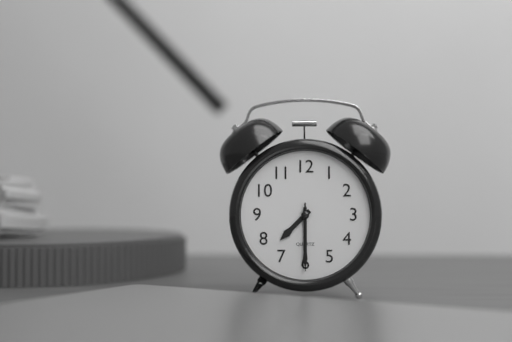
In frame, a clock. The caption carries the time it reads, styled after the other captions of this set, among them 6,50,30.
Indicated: 7,30,30
